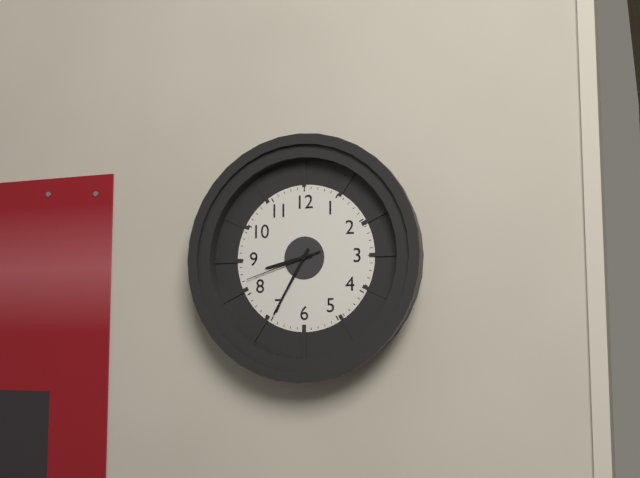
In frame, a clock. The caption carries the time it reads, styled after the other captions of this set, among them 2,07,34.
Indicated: 8,35,42
